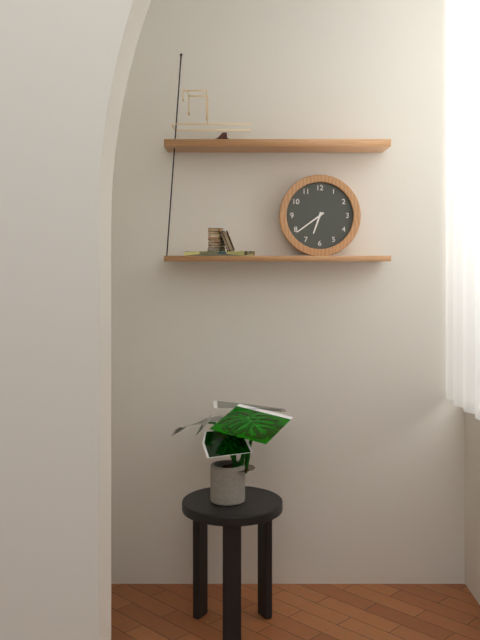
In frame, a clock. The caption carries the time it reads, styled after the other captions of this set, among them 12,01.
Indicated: 6,39
